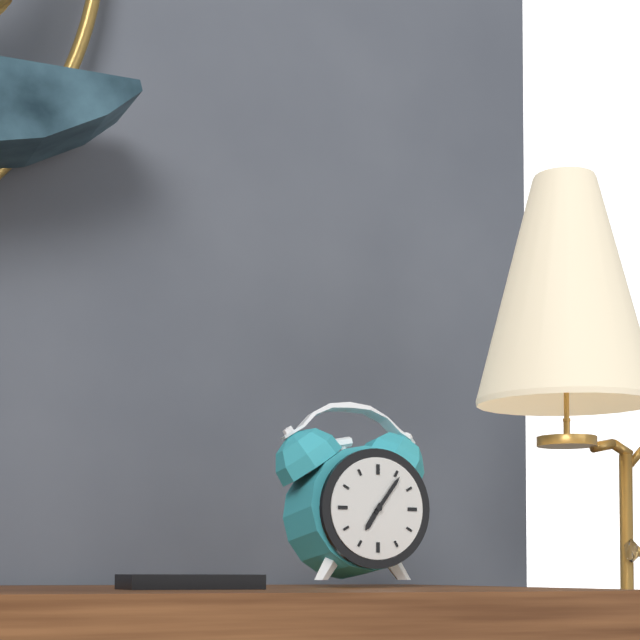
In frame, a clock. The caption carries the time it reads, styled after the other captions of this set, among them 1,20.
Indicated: 7,06
